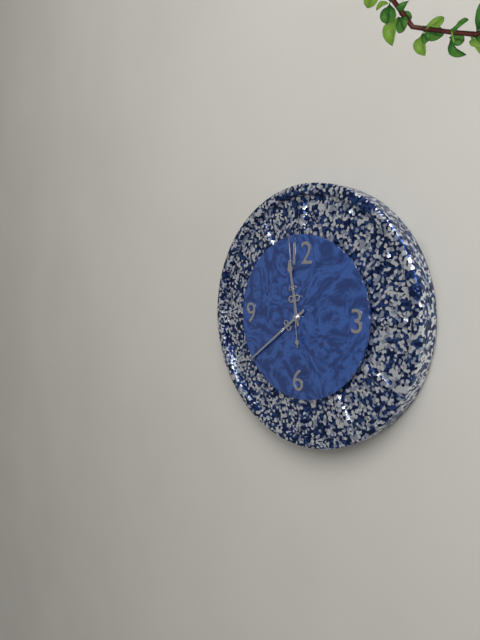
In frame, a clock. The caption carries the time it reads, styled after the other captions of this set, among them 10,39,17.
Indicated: 11,39,59
